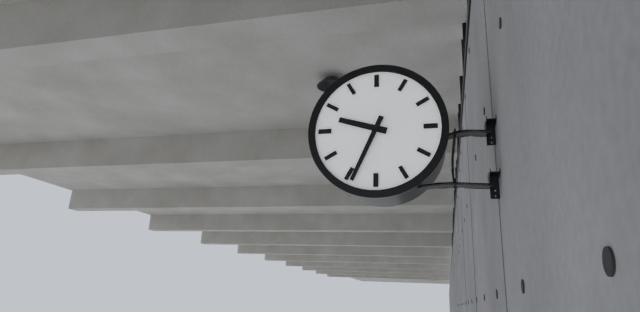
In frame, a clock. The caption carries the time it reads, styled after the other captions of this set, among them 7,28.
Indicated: 9,34
